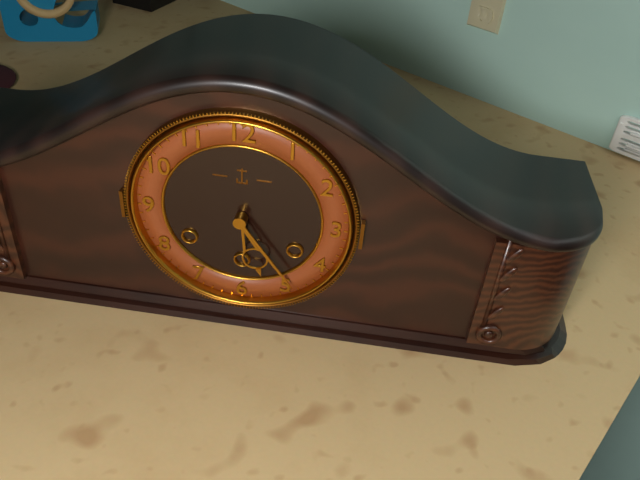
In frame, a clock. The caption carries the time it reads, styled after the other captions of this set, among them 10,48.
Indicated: 5,24
